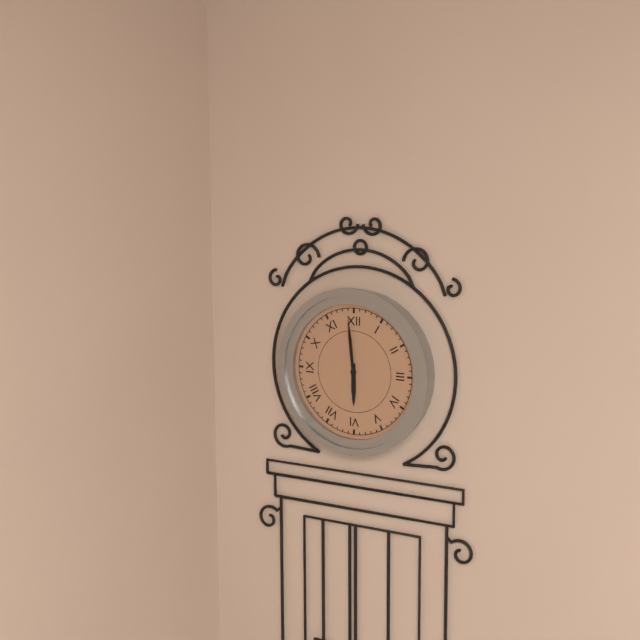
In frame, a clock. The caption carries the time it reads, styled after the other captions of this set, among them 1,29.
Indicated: 5,59
